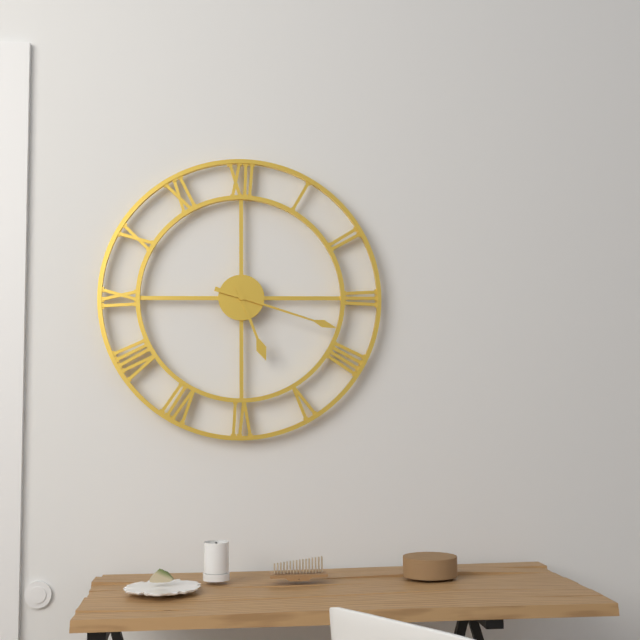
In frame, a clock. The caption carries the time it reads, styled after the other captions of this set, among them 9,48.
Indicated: 5,18
